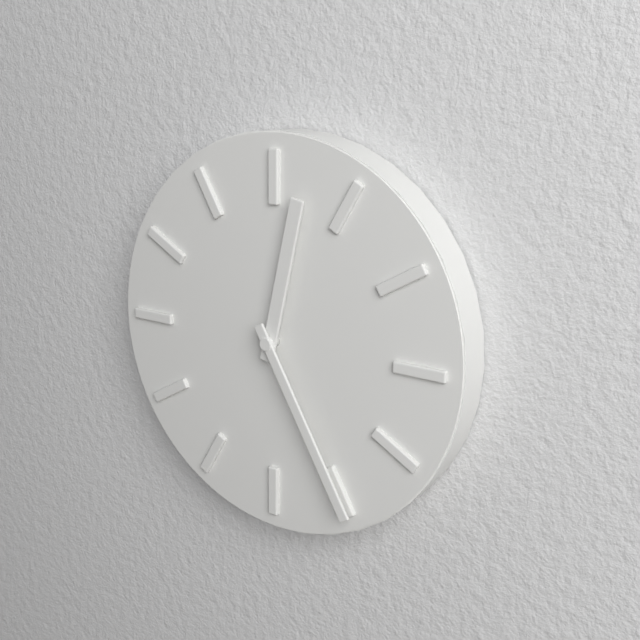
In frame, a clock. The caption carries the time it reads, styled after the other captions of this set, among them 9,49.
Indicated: 12,25
